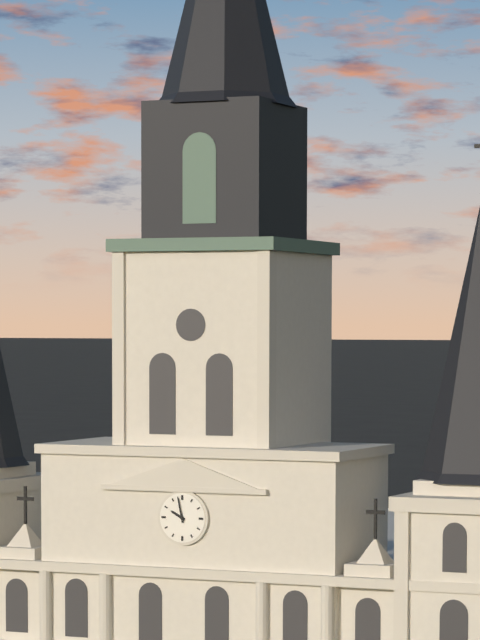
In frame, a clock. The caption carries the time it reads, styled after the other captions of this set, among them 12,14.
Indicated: 9,58
